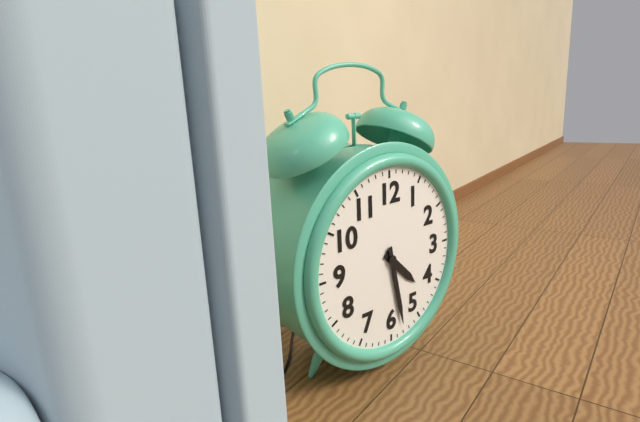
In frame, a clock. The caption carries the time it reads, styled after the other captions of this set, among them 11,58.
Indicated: 4,28
